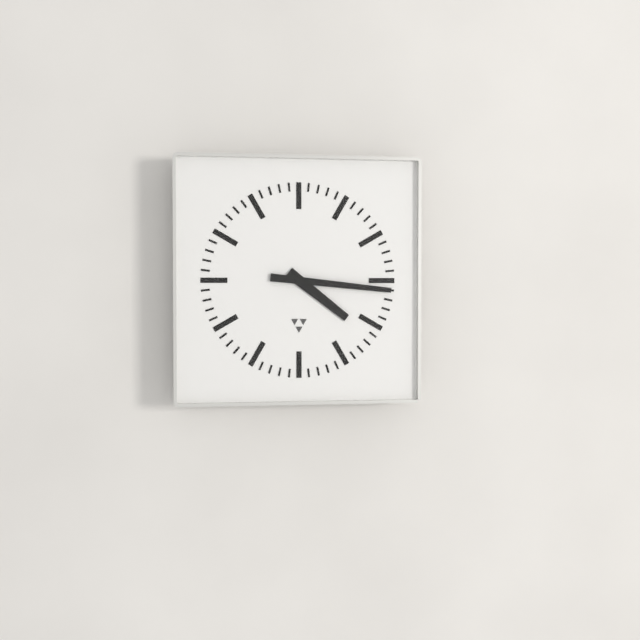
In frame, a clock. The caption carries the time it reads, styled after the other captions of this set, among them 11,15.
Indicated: 4,16
